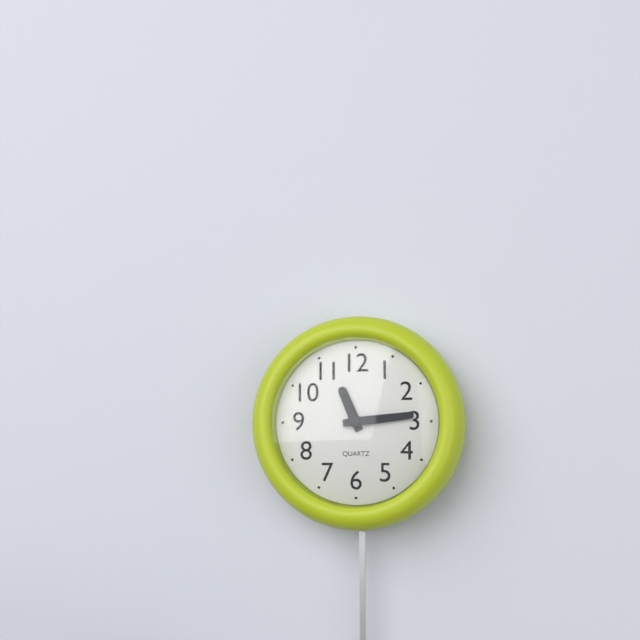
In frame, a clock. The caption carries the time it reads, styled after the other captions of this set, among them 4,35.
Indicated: 11,14
